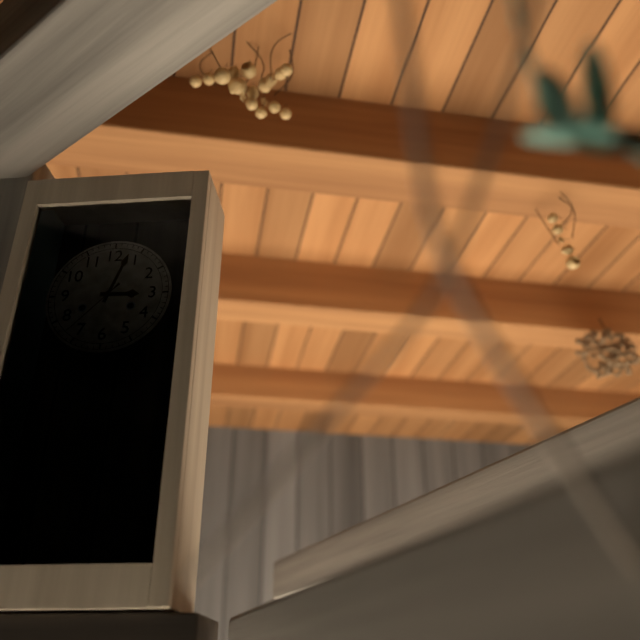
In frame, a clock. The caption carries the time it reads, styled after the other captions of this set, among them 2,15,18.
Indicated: 3,03,37
